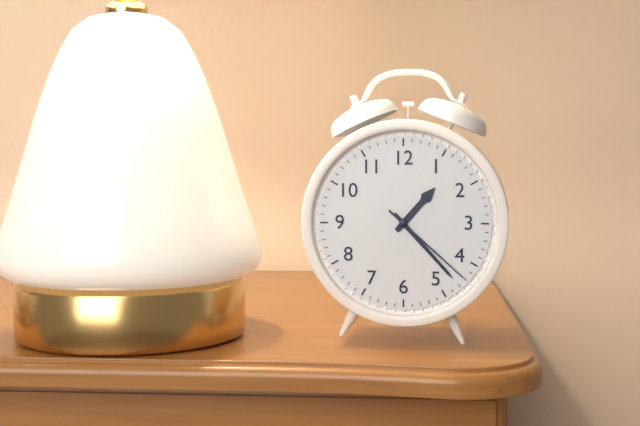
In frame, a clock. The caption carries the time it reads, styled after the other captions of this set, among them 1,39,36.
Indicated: 1,23,22
